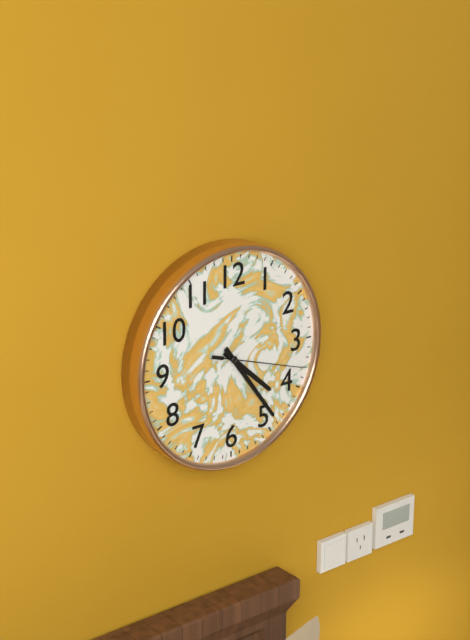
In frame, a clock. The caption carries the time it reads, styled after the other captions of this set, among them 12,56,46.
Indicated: 4,24,18
